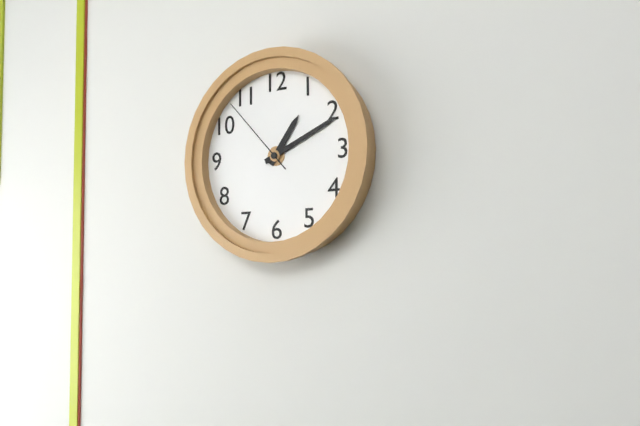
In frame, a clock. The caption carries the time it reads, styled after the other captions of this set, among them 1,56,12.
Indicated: 1,11,53
